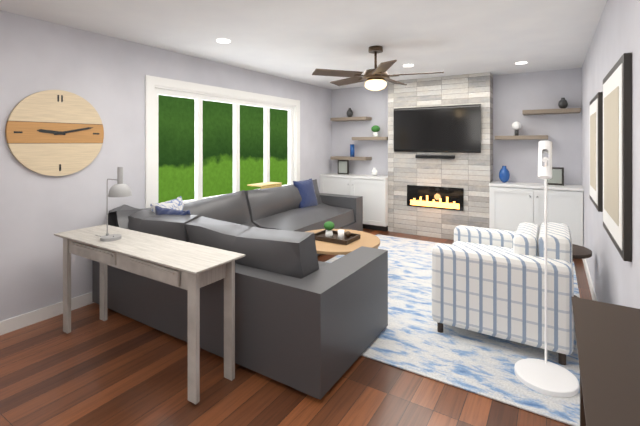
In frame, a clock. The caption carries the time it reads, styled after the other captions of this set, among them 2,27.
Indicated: 9,13
